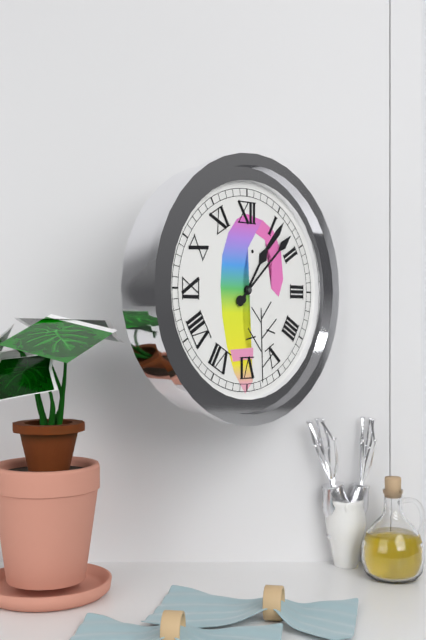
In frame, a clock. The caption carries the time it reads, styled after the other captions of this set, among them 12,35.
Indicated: 1,08
